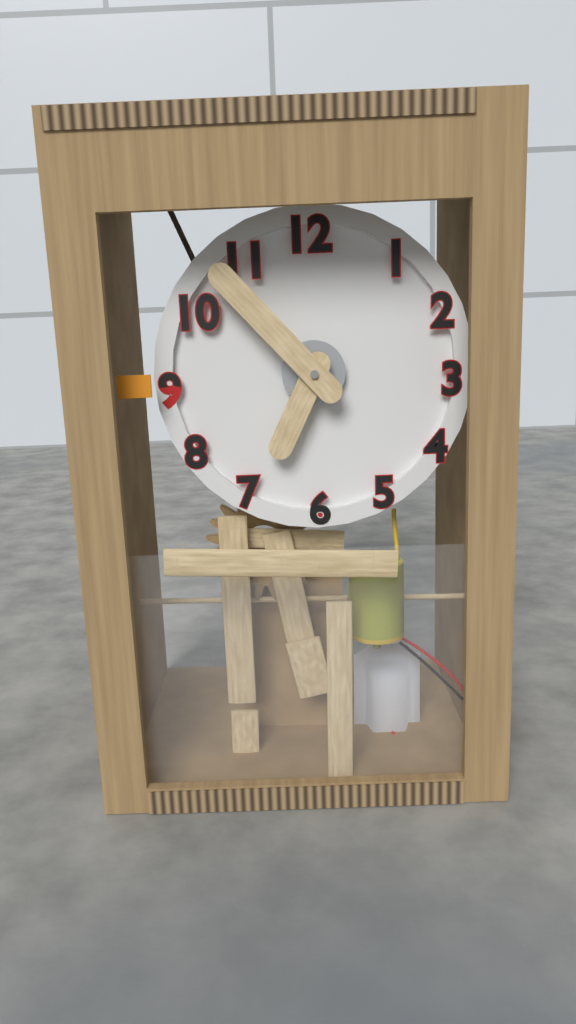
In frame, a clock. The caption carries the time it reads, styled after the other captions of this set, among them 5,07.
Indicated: 6,53
